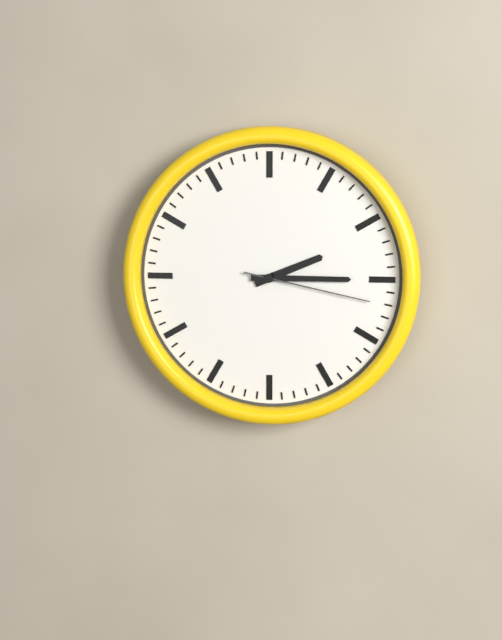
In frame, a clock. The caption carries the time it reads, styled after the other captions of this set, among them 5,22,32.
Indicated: 2,15,17
